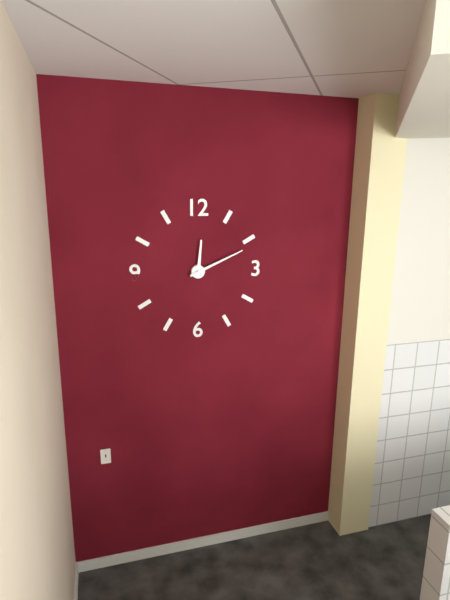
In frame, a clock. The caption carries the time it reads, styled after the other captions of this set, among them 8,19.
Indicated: 12,11
